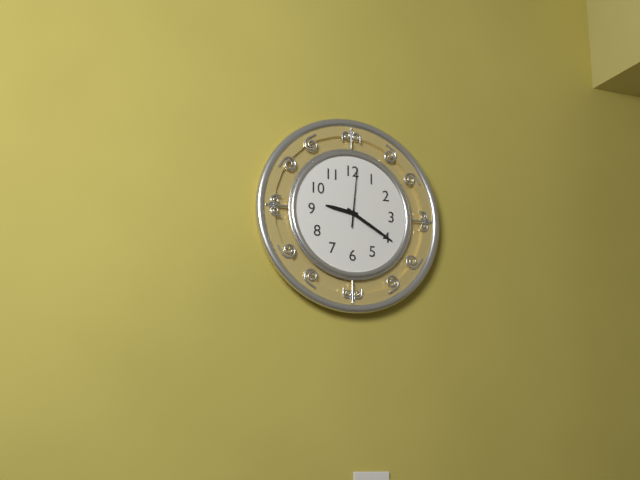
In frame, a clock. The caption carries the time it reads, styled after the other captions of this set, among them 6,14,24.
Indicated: 9,20,01
